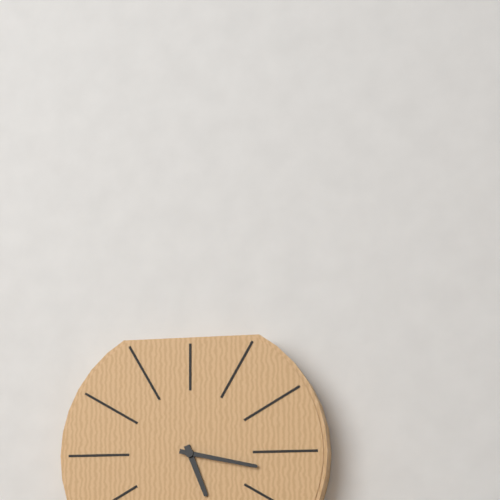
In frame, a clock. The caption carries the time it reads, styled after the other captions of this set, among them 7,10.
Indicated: 5,17
